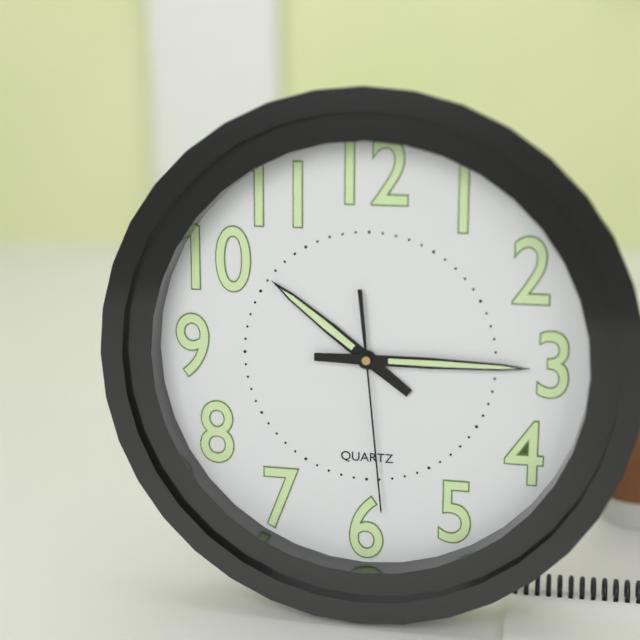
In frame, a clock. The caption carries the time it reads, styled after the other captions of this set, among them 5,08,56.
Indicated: 10,15,29
